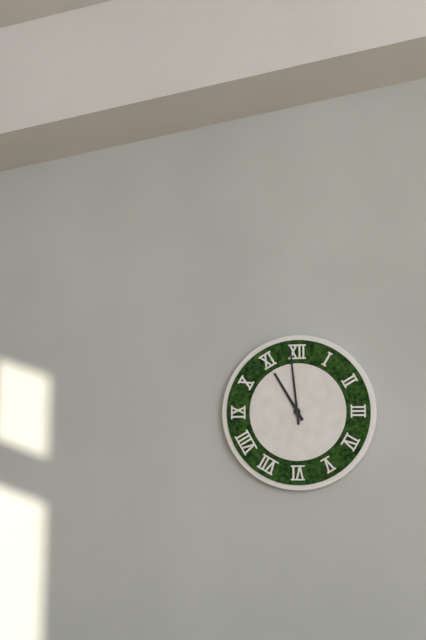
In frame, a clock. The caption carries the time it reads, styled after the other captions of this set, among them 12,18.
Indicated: 10,59
